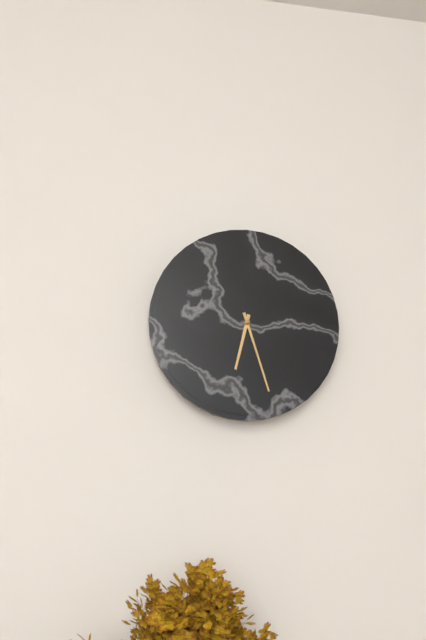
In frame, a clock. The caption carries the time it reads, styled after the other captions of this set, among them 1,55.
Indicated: 6,27
